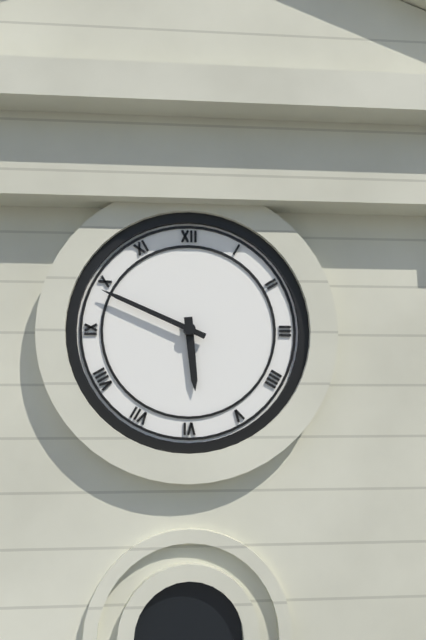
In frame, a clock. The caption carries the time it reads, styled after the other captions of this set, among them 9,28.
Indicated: 5,49
